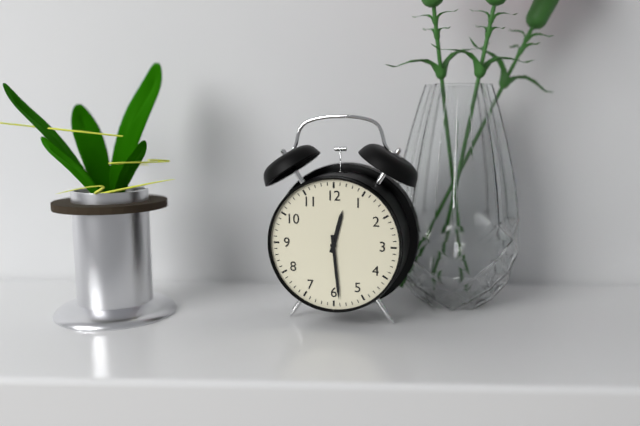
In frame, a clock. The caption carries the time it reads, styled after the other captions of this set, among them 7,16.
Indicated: 12,29
